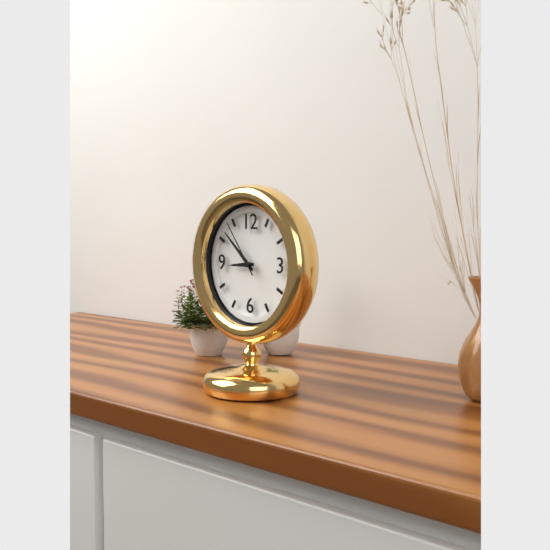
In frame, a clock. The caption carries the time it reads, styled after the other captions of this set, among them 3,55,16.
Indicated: 8,52,54
